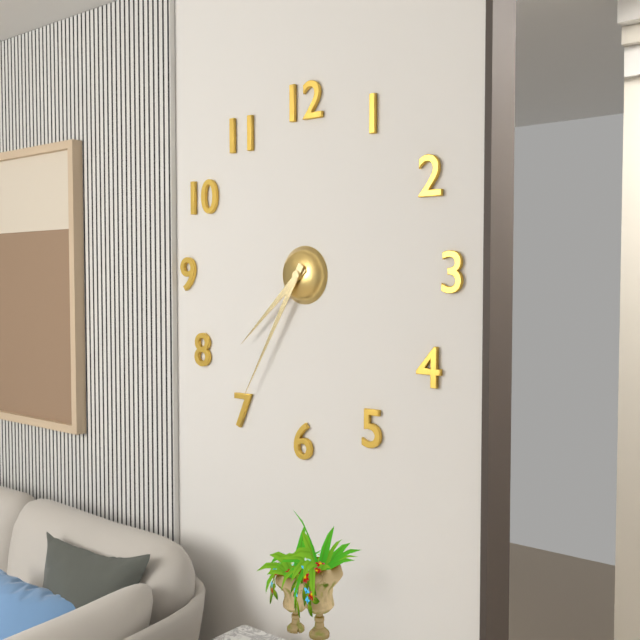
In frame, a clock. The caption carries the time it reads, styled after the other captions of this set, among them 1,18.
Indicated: 7,35
